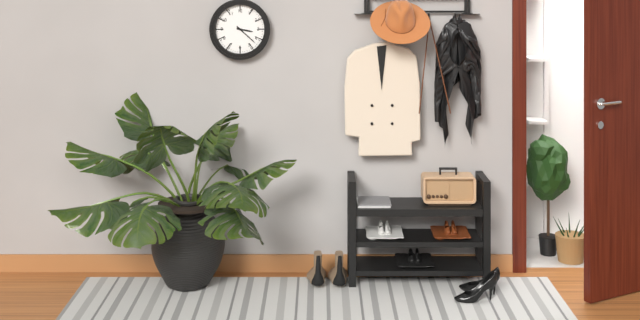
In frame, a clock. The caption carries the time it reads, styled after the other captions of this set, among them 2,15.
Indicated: 3,22
